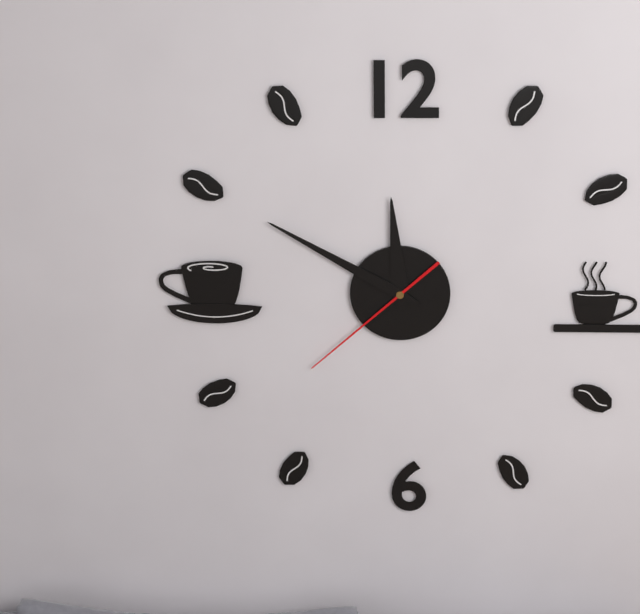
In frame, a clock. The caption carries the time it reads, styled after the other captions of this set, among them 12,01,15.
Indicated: 11,50,38
